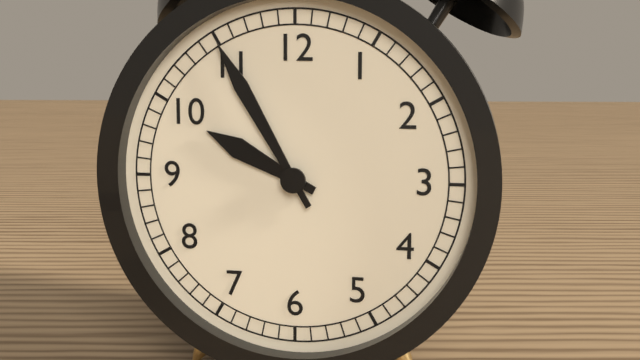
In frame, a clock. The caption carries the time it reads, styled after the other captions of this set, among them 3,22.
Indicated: 9,55
